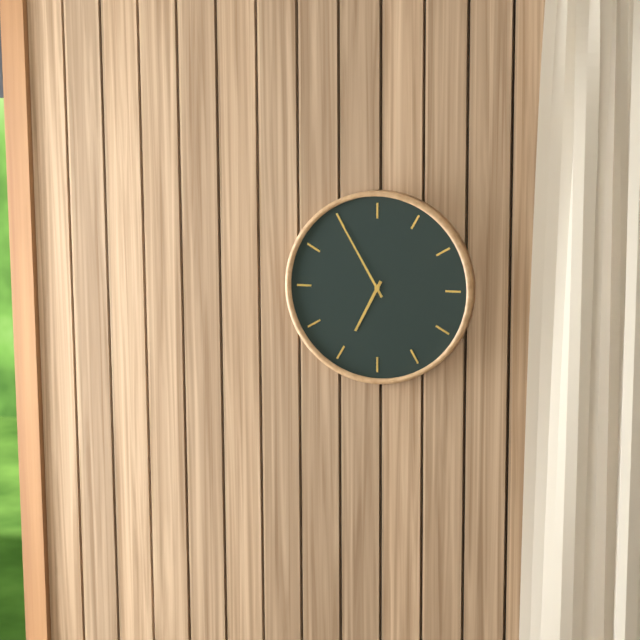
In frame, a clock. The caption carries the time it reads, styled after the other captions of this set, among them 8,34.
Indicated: 6,55
